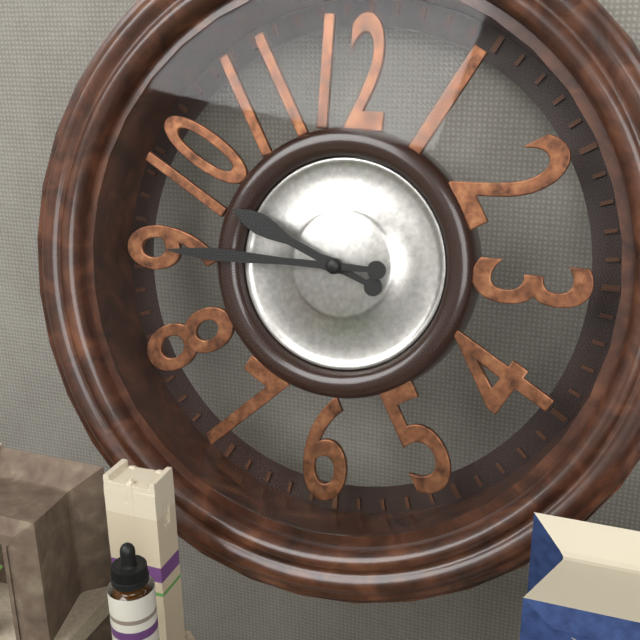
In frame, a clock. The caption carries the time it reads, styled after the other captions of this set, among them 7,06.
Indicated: 9,45
